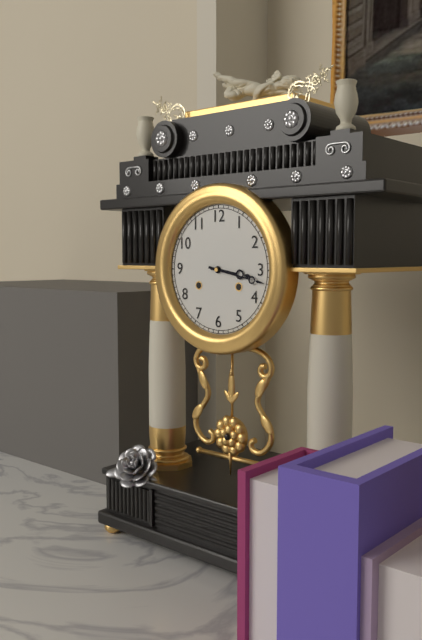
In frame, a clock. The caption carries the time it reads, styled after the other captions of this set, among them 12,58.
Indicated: 3,17
